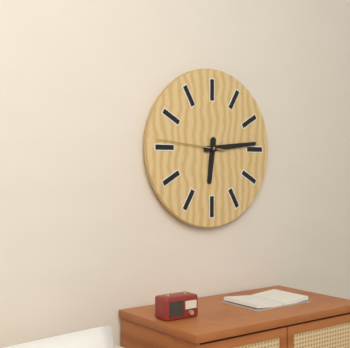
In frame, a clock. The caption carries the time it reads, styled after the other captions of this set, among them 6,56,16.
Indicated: 6,14,46
